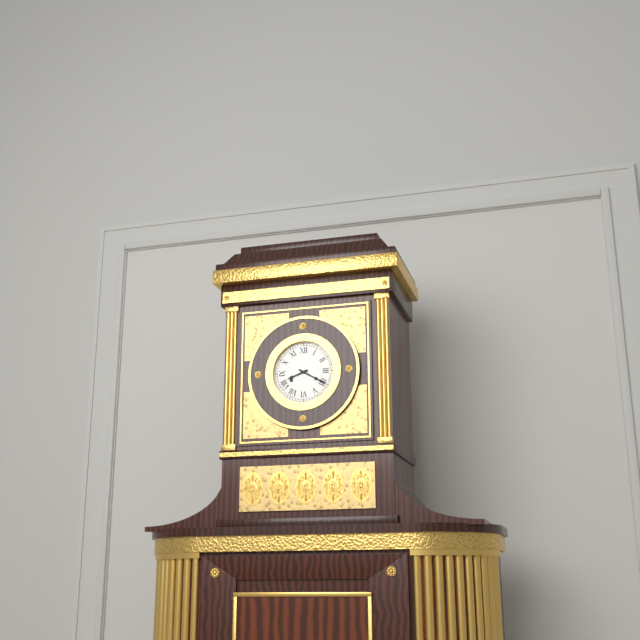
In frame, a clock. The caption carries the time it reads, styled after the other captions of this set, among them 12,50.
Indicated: 8,20
